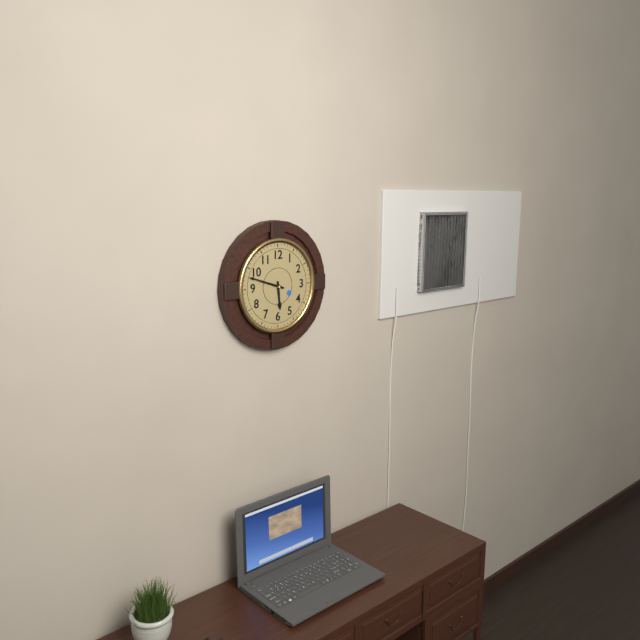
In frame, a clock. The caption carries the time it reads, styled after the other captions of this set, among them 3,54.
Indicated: 5,48
